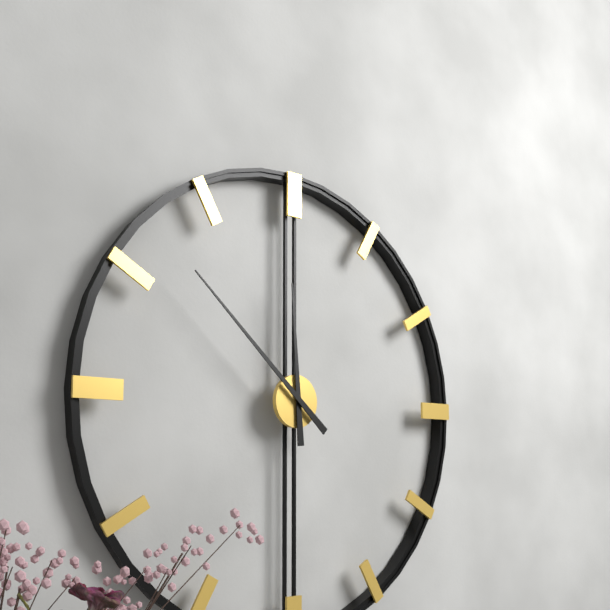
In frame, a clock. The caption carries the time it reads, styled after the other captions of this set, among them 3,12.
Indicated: 11,52
